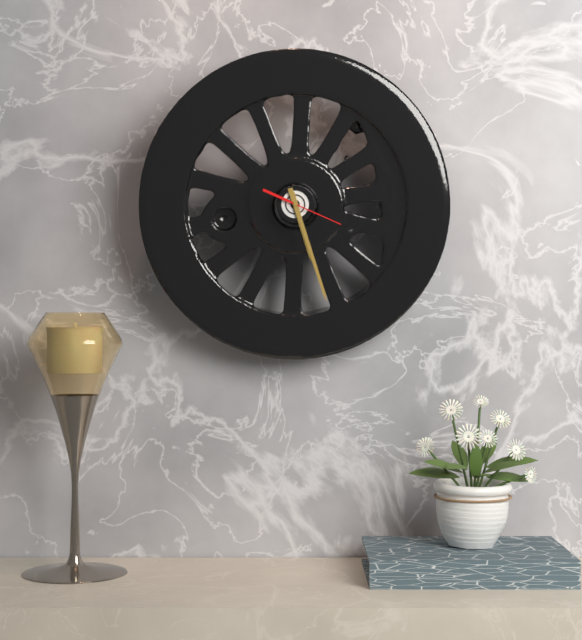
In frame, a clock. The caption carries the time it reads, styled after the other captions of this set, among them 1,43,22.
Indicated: 5,27,19
